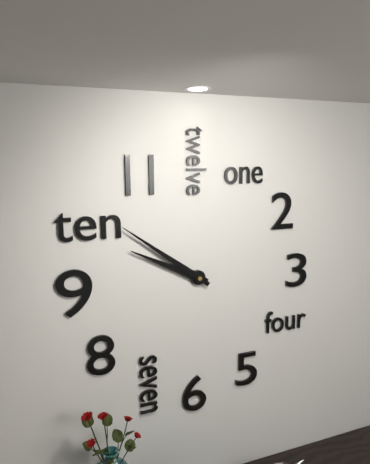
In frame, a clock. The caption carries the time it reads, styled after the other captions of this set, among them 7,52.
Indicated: 9,51
